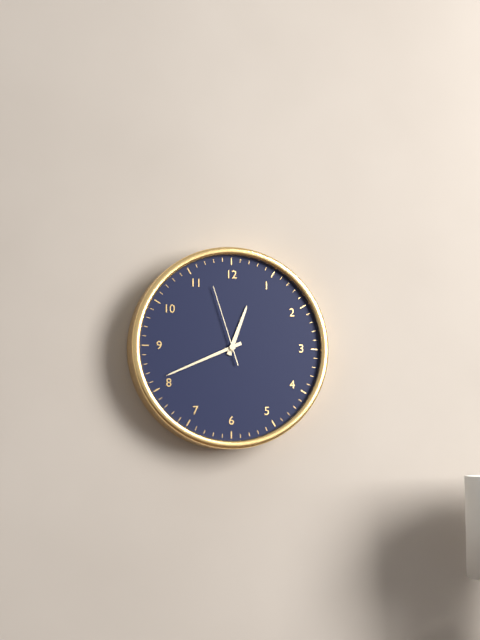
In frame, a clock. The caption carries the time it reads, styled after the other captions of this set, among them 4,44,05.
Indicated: 12,41,57
